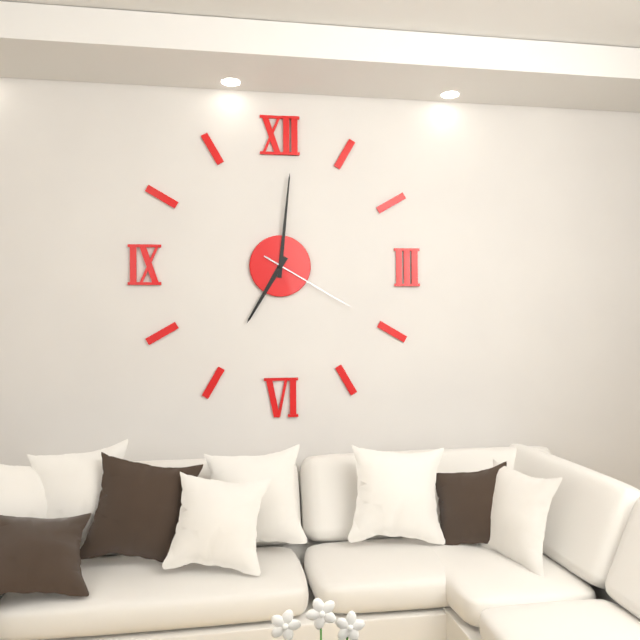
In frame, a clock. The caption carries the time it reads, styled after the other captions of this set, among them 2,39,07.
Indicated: 7,01,20
